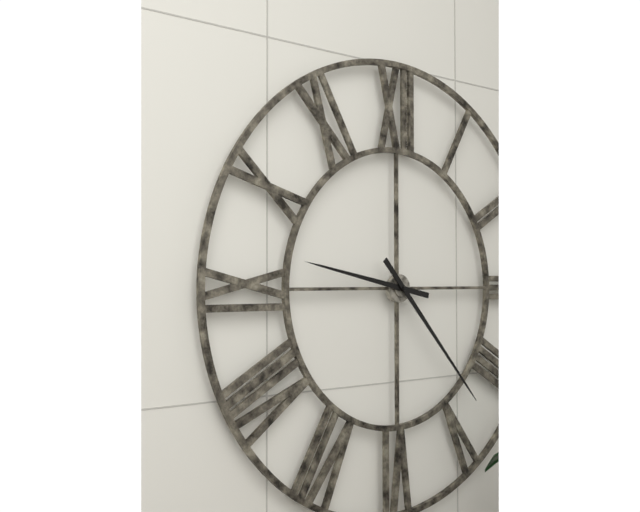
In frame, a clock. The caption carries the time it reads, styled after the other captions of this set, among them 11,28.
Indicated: 9,23
